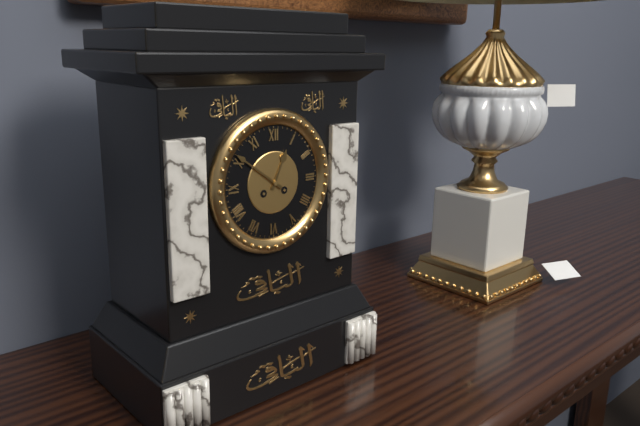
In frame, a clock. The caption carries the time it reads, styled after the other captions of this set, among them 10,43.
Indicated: 12,51
